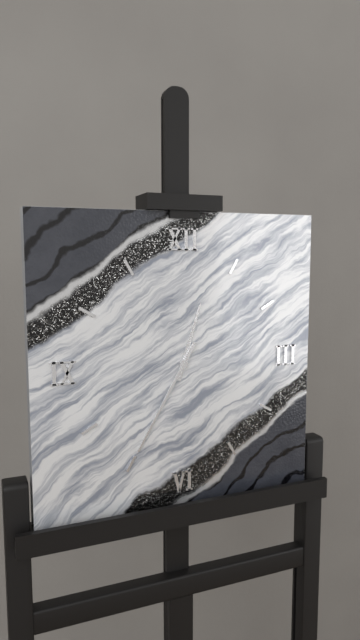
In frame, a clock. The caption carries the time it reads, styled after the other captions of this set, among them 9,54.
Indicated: 12,35
